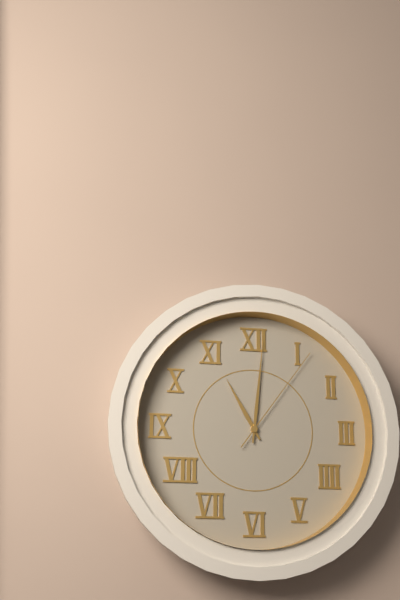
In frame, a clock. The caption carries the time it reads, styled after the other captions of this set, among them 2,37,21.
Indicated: 11,01,06
